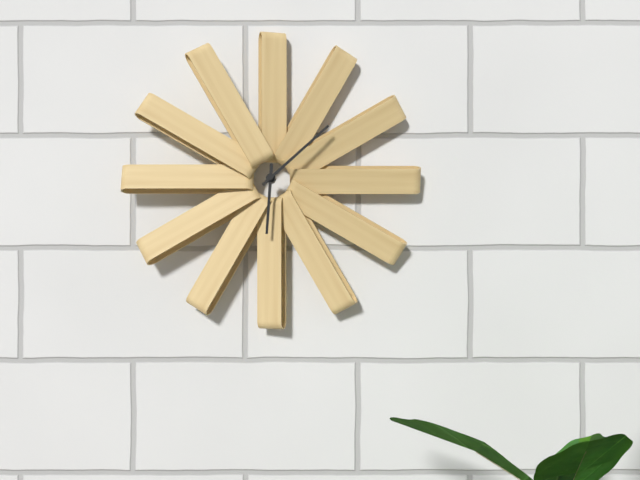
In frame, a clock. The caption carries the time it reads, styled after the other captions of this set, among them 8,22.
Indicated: 6,08
